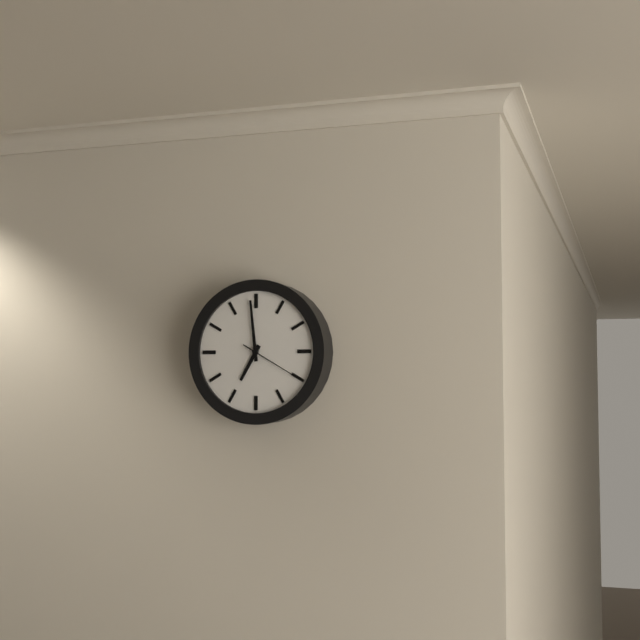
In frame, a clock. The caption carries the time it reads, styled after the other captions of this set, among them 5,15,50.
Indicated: 6,59,20
